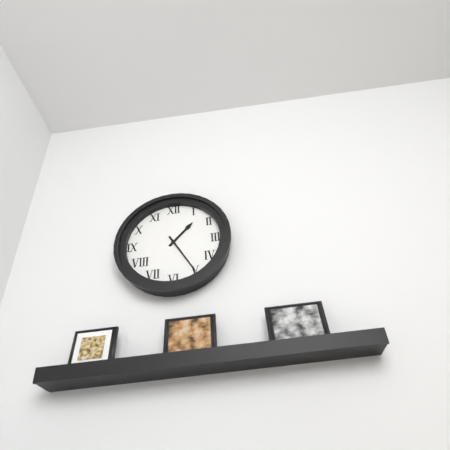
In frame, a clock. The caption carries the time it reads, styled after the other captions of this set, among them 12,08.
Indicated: 1,25
